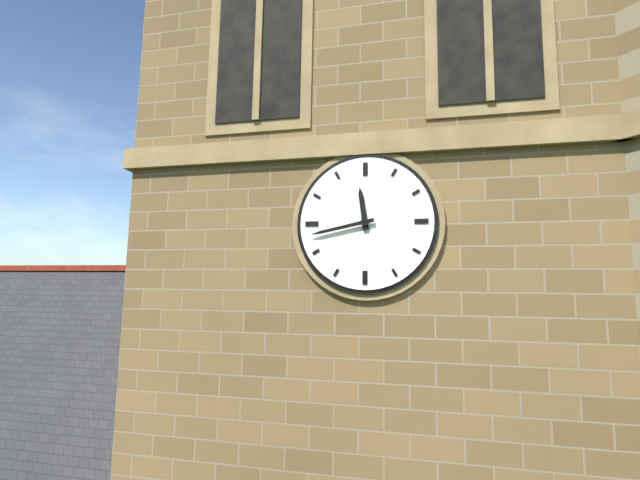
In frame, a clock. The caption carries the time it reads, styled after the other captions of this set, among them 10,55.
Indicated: 11,43
